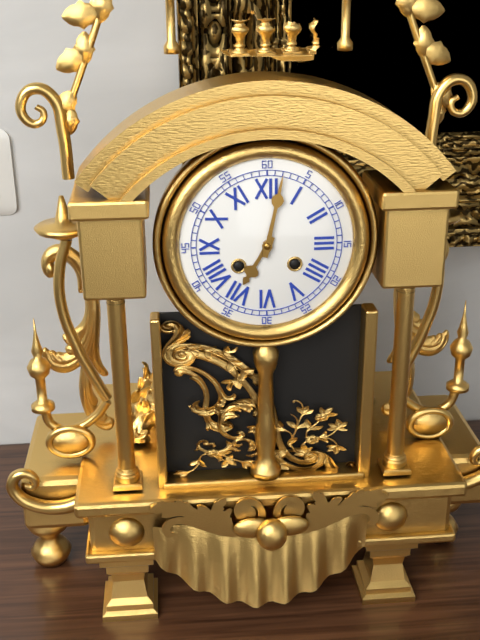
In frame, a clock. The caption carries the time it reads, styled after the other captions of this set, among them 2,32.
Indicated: 7,02
